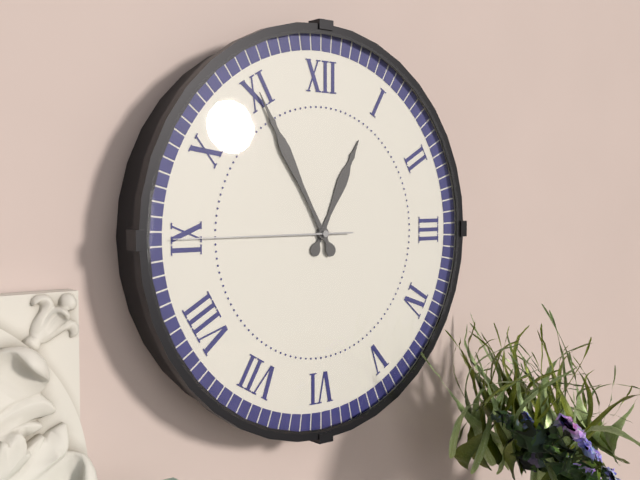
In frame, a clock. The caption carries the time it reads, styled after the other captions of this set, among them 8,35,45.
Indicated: 12,55,45
